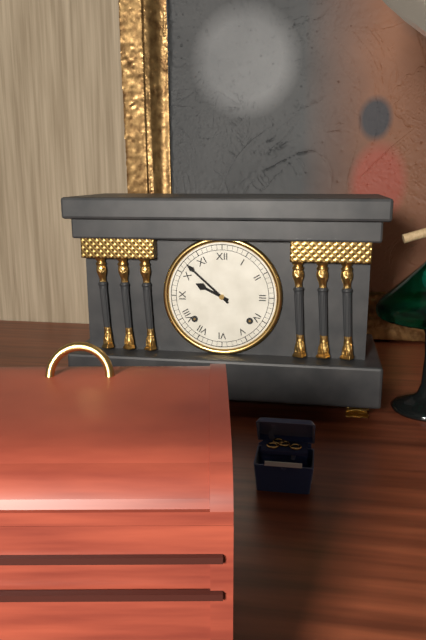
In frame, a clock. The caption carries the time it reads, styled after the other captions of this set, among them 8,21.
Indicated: 9,52
